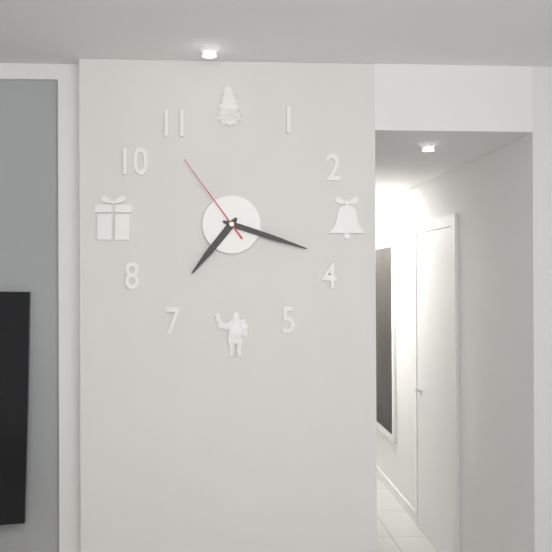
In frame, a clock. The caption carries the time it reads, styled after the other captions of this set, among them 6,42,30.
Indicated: 7,18,54
